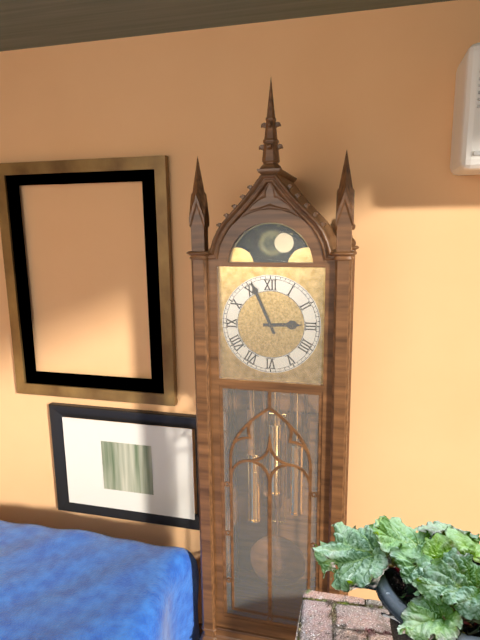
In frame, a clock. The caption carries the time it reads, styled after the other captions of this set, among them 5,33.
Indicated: 2,56
